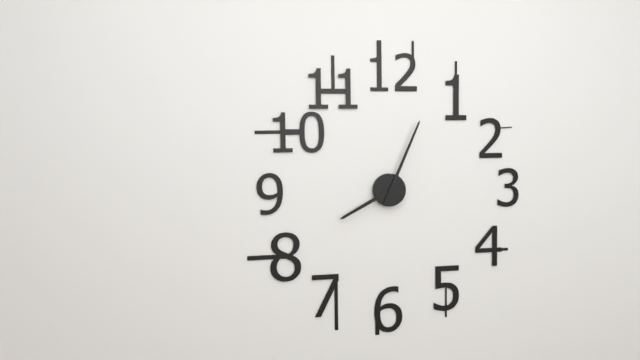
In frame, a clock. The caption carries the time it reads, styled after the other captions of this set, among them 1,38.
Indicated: 8,04
